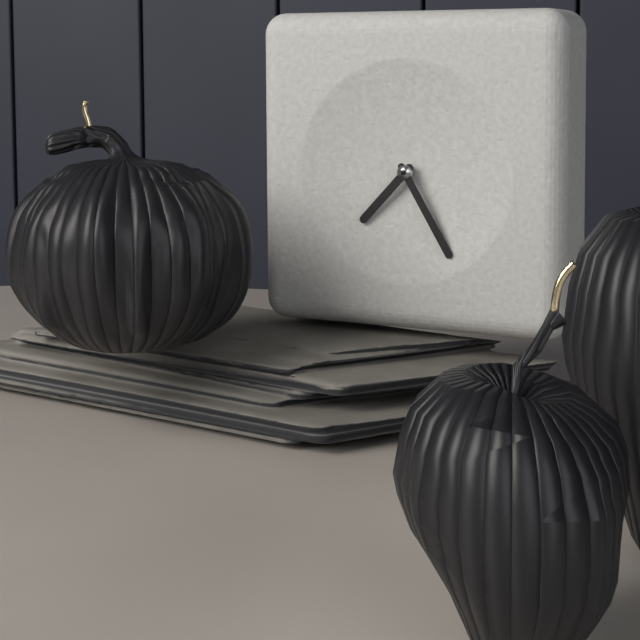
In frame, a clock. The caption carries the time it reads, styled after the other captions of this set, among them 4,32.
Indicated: 7,25
